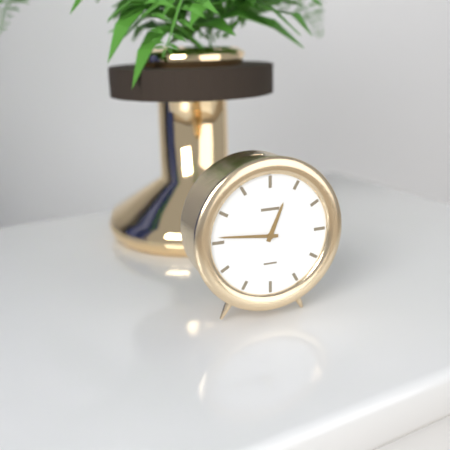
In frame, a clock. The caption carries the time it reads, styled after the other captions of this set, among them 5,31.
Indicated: 12,46
